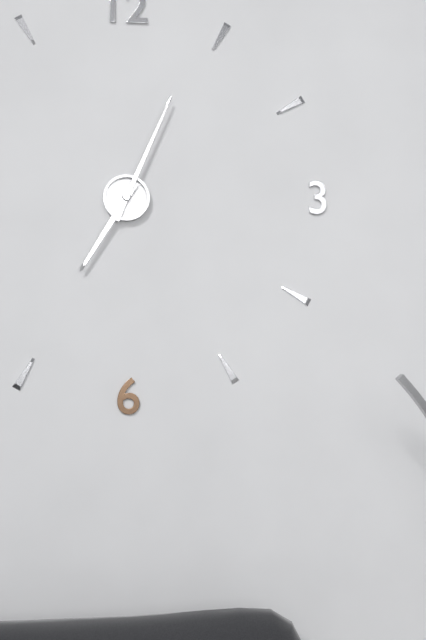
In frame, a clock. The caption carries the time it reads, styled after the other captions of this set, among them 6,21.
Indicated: 7,04
